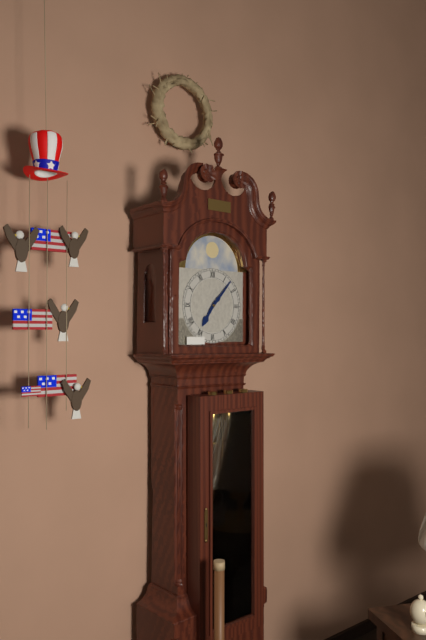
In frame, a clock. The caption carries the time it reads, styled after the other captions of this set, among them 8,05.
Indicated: 7,07
